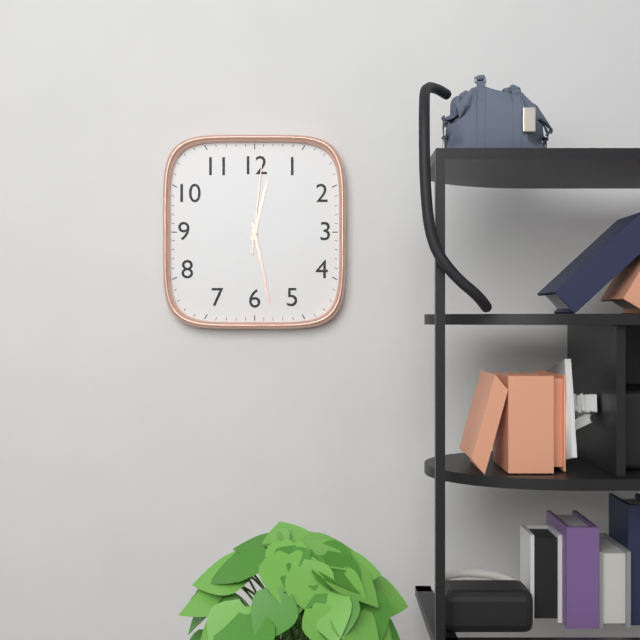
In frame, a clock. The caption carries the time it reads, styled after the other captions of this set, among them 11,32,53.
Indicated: 12,28,01
